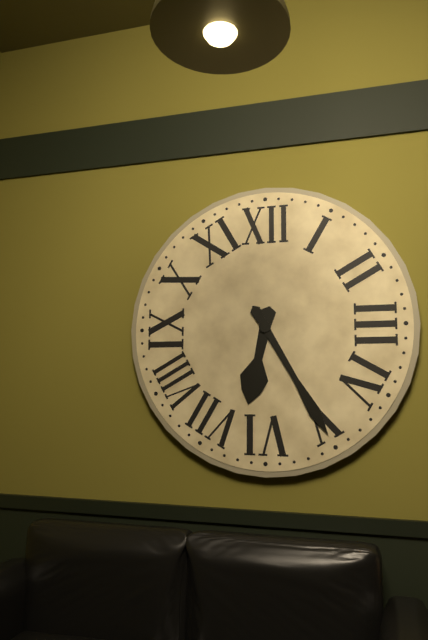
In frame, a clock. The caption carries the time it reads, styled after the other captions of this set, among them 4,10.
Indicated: 6,25
